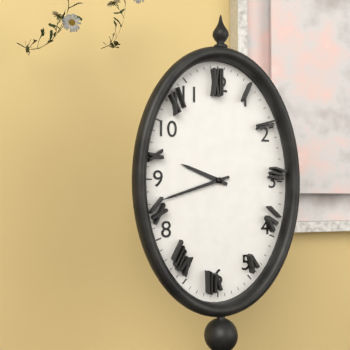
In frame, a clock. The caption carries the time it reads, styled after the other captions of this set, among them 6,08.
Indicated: 9,42
